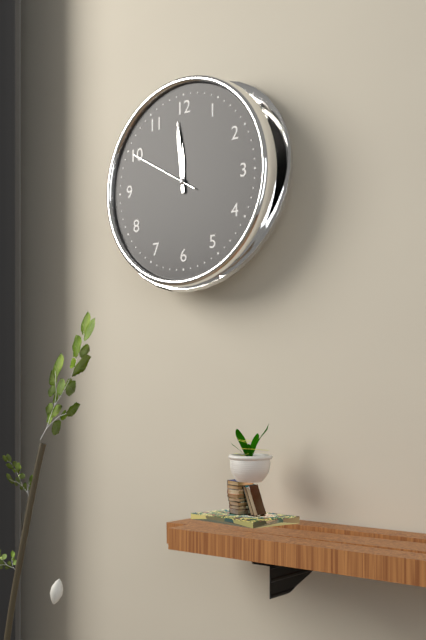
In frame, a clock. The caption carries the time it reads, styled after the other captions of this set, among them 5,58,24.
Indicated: 11,59,50
